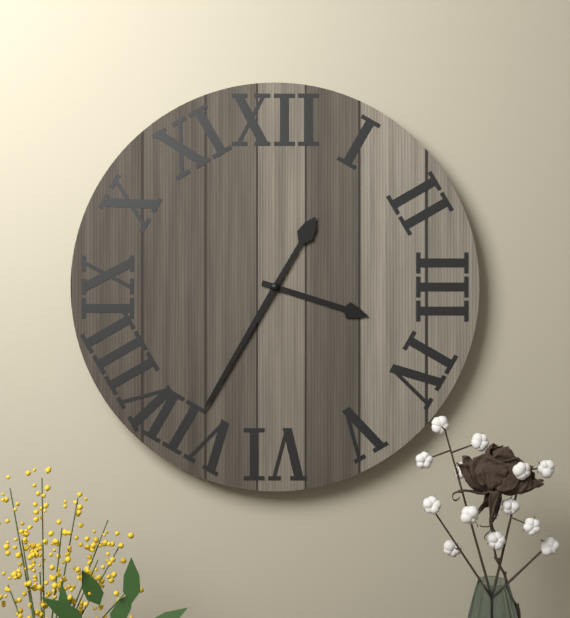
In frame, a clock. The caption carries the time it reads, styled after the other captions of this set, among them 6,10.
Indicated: 3,35
